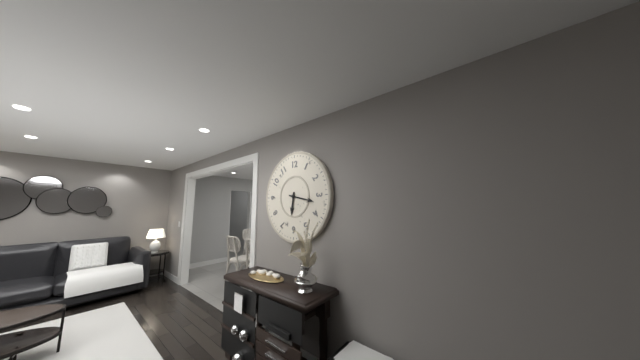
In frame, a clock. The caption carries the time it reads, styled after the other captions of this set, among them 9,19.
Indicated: 6,17
